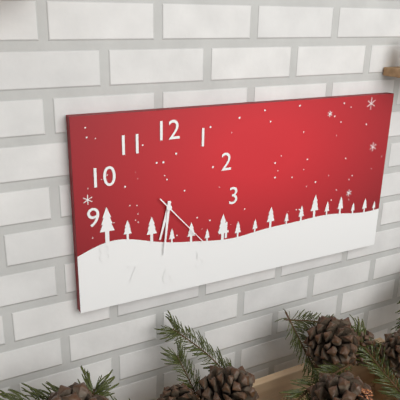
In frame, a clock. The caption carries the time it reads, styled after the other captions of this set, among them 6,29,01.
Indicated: 6,31,23
